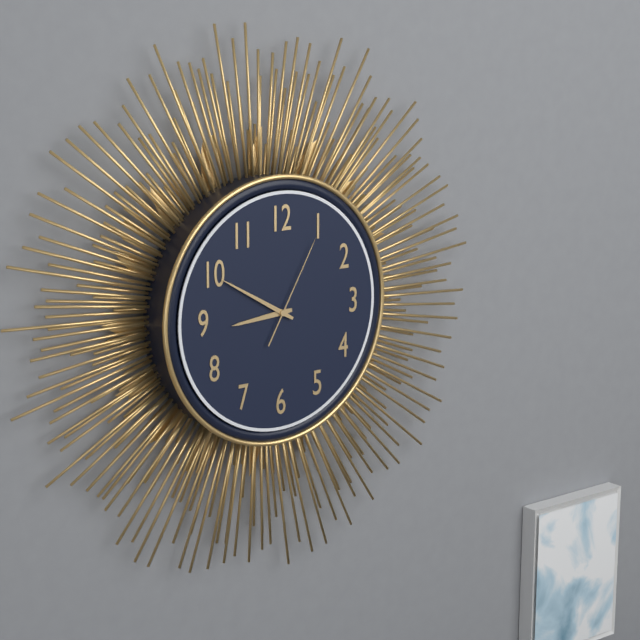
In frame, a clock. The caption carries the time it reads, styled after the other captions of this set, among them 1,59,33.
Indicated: 8,50,05
